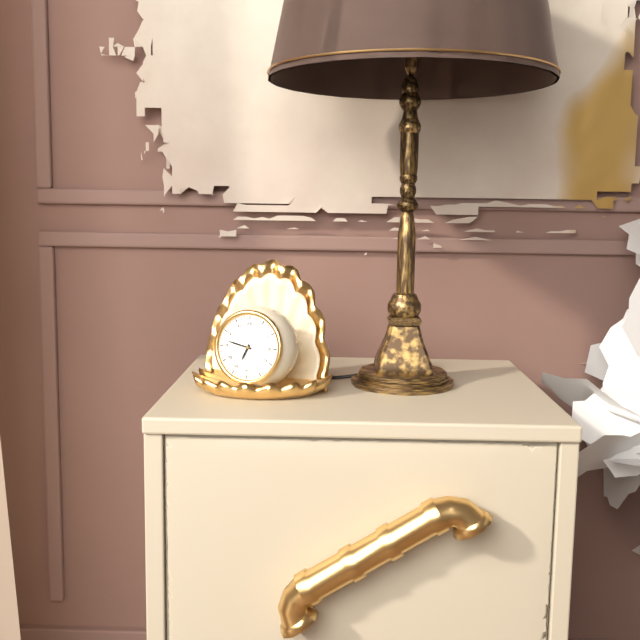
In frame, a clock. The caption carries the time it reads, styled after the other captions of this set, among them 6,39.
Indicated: 6,47
